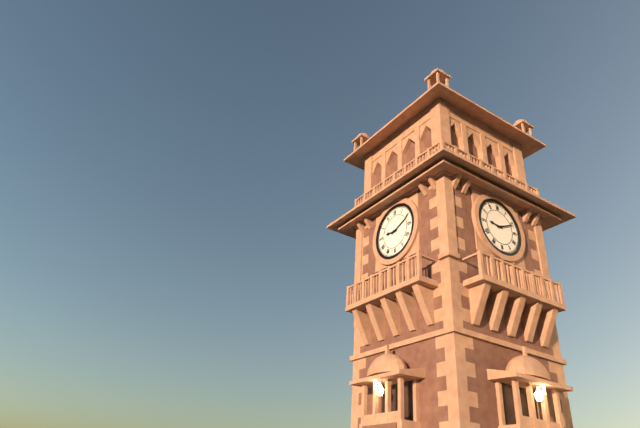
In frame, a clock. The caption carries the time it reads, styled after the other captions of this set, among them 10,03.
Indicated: 9,11
